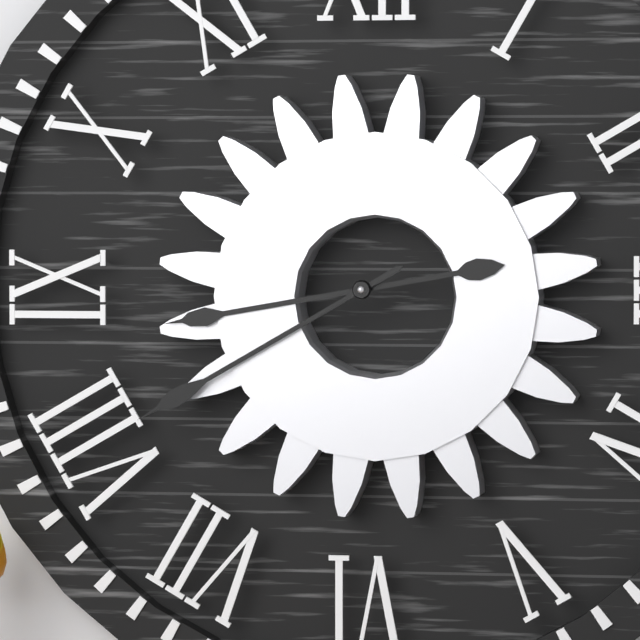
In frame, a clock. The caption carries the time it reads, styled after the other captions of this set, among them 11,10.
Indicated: 8,40
